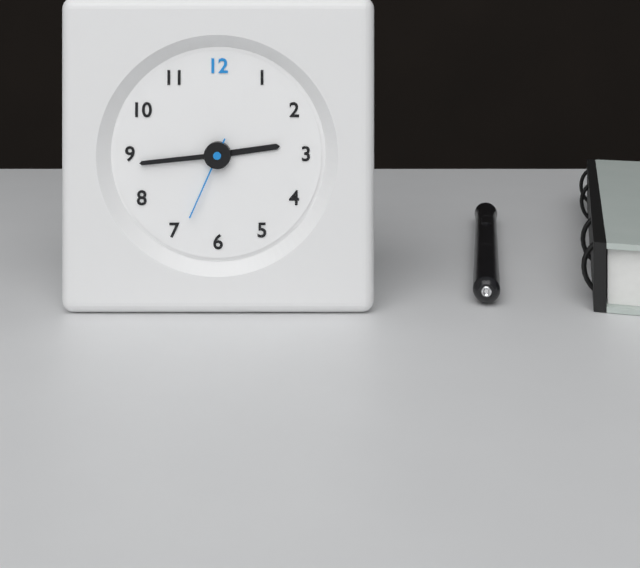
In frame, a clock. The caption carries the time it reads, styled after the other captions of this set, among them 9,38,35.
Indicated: 2,44,34
